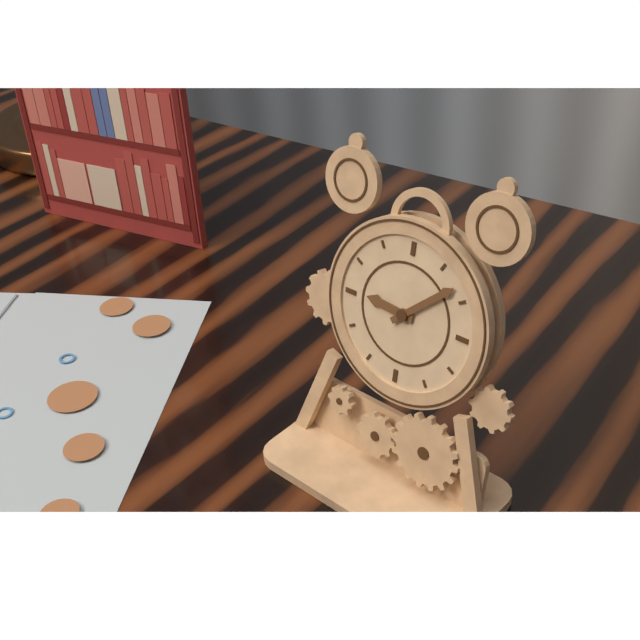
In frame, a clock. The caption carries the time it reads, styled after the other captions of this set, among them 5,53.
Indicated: 9,08
